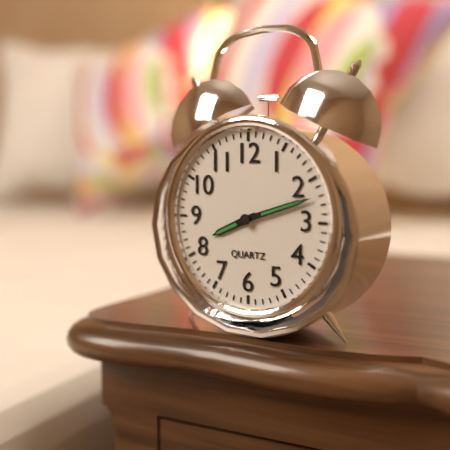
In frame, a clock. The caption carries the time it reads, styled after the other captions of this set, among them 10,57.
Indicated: 8,12
